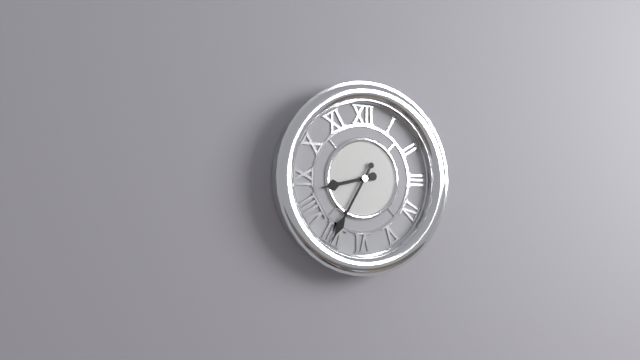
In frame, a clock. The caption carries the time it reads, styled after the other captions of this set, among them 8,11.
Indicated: 8,35
